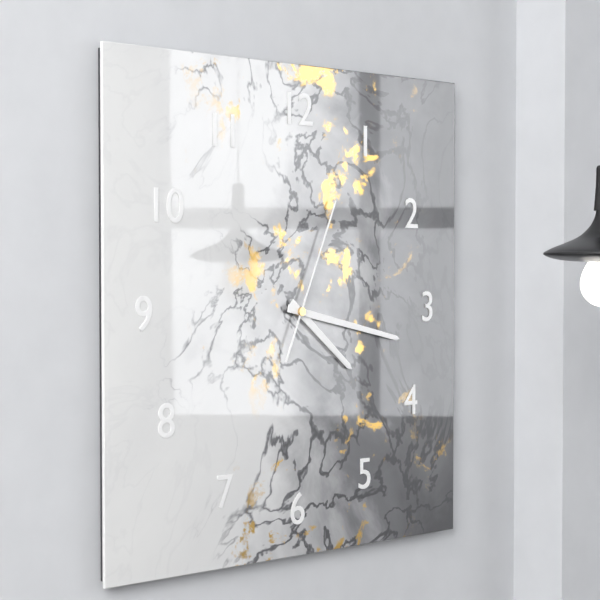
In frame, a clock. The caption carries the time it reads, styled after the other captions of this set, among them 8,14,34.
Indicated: 4,17,04
